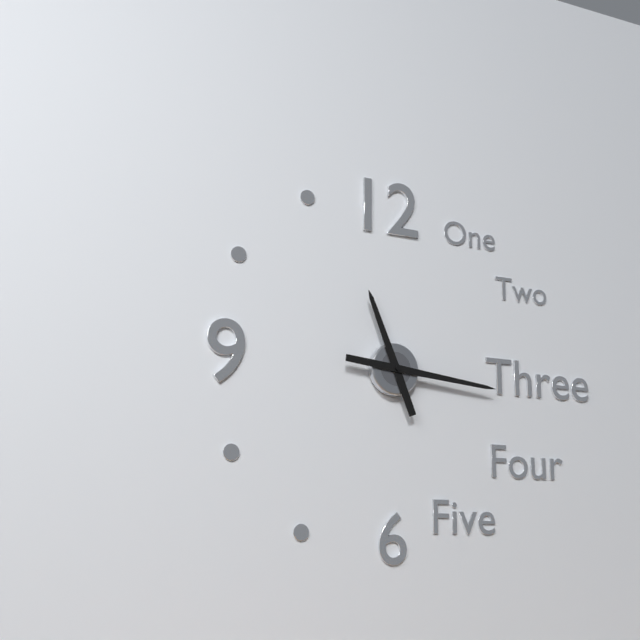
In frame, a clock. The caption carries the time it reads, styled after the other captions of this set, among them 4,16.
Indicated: 11,16
